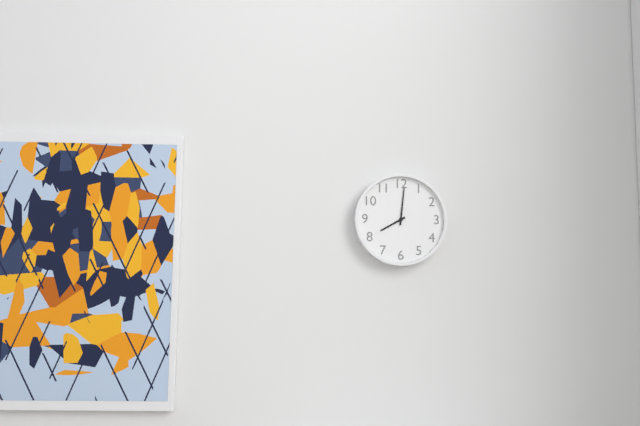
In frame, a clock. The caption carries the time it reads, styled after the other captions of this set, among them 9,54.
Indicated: 8,01
